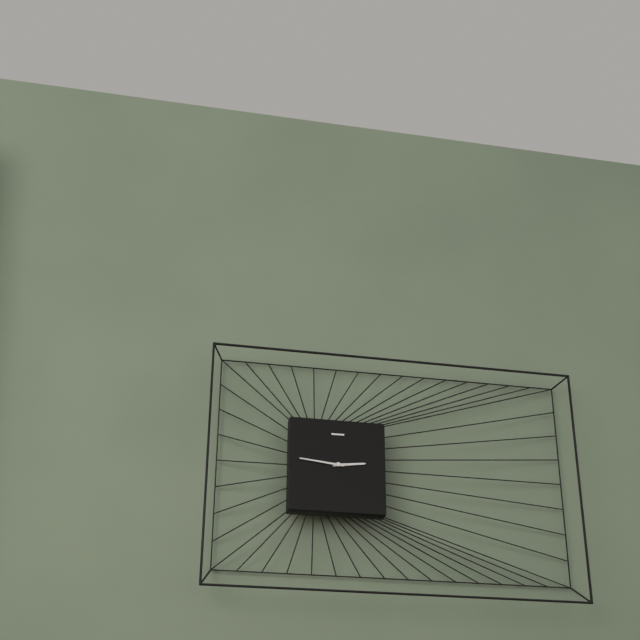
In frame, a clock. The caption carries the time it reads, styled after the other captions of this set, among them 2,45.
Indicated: 2,46
